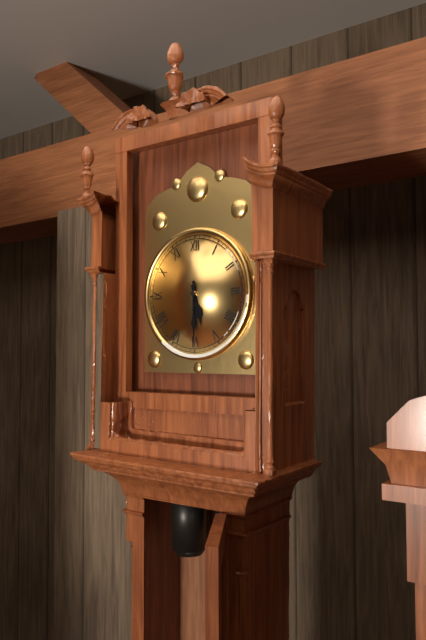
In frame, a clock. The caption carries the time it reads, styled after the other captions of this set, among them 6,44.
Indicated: 5,30
